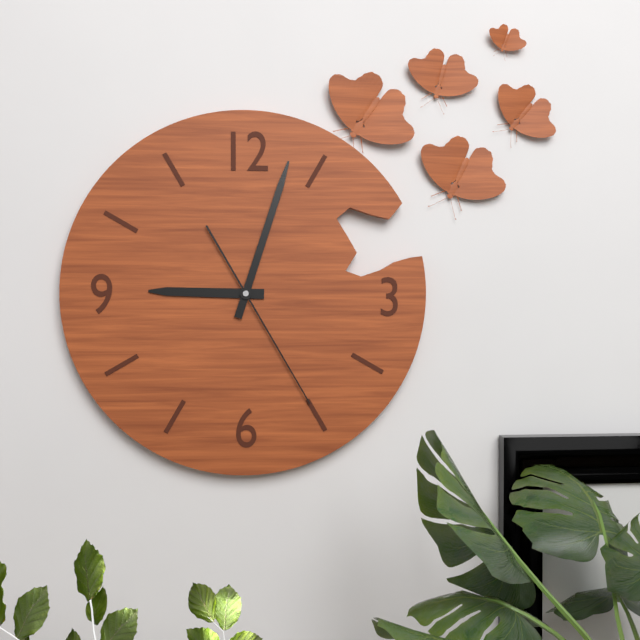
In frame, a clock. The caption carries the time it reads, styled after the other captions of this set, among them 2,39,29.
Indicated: 9,03,25
